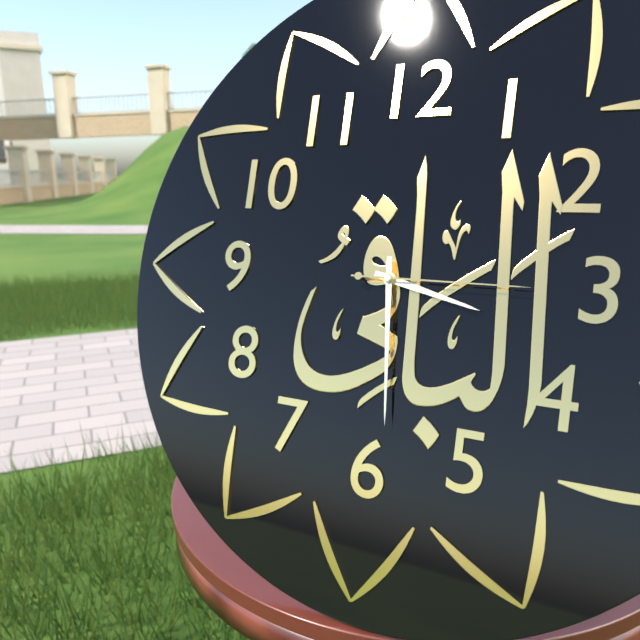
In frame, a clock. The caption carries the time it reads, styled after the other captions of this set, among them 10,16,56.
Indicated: 3,29,15
